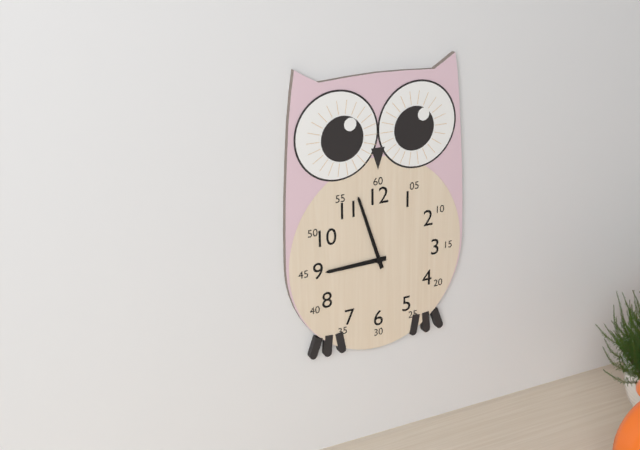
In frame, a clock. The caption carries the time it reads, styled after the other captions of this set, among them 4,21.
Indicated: 8,57
